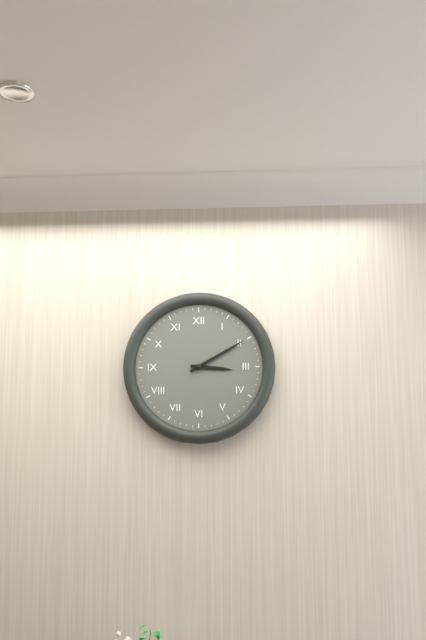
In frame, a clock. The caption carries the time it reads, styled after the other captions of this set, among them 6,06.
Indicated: 3,10
